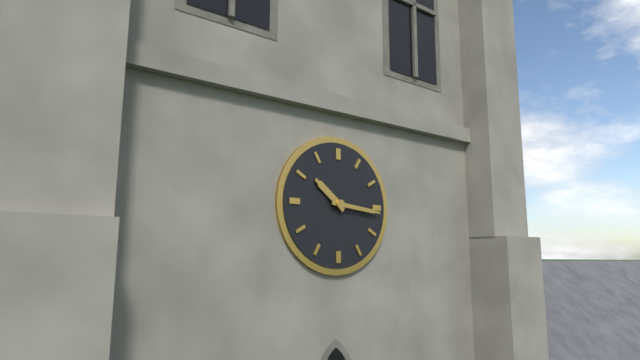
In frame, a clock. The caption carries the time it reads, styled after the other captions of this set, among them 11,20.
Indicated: 10,16
